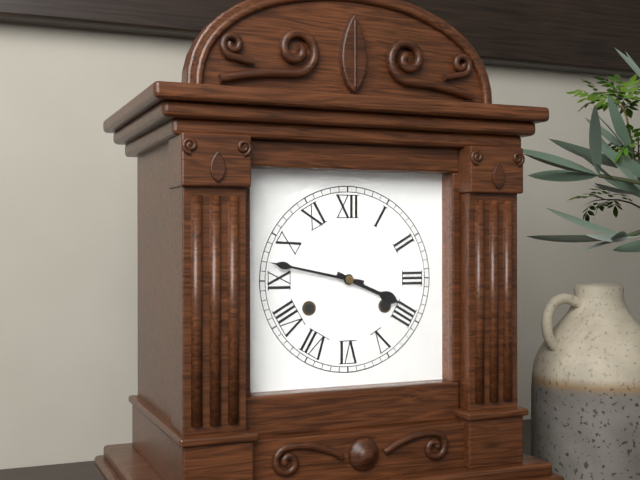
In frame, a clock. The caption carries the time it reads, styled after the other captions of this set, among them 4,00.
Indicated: 3,47
